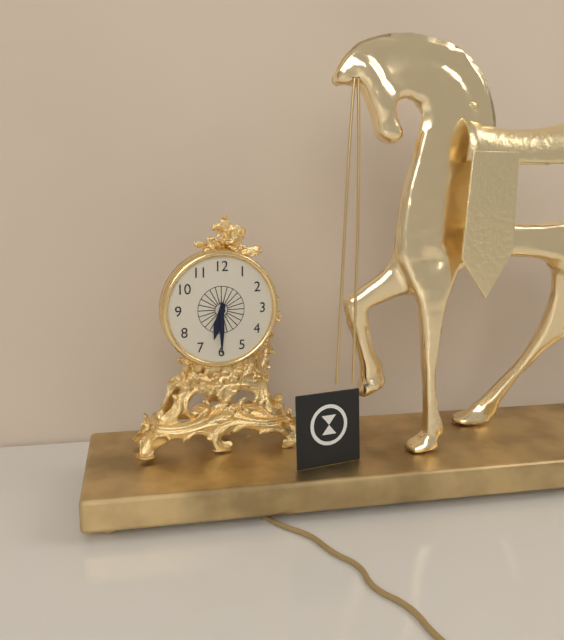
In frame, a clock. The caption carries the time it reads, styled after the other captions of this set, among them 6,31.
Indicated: 6,30
